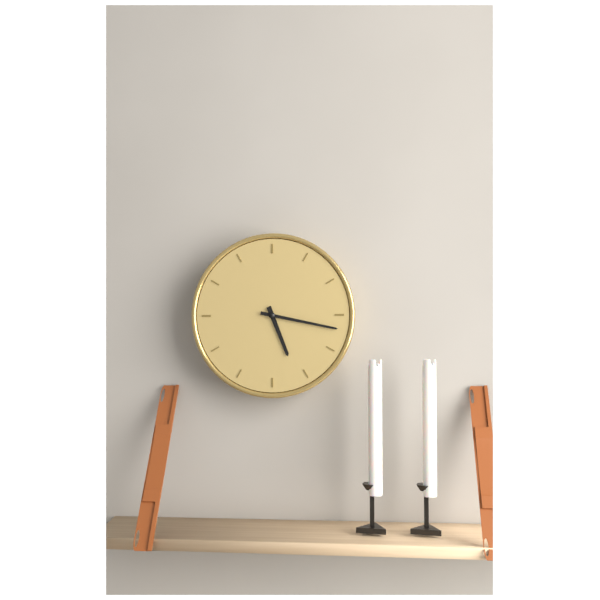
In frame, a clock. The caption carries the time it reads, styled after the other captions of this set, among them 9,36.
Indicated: 5,17
